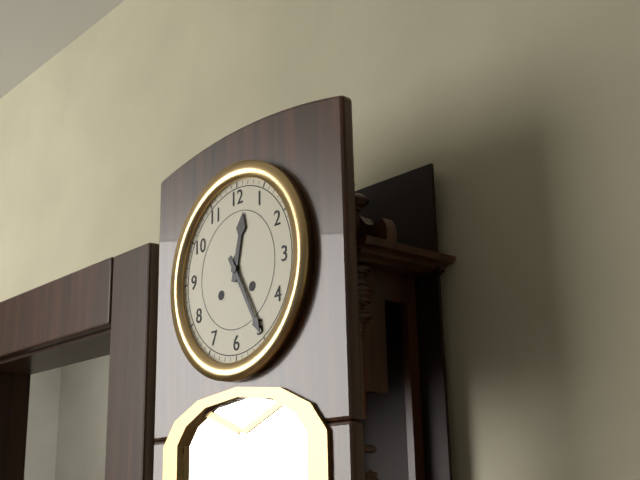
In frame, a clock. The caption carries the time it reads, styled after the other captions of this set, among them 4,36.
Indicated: 12,25
